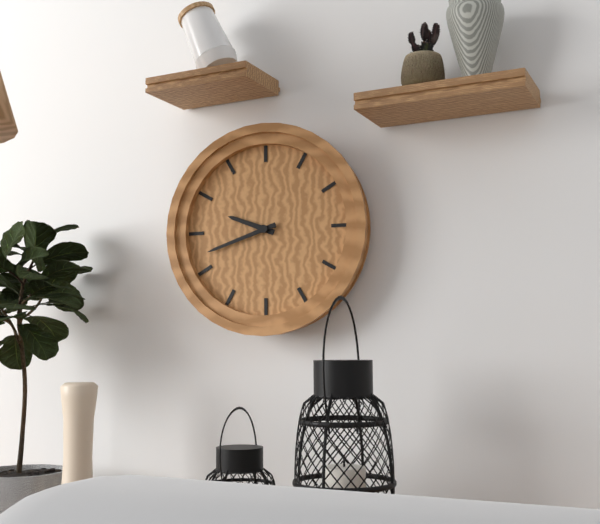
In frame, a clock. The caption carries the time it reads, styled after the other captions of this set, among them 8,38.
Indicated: 9,42
